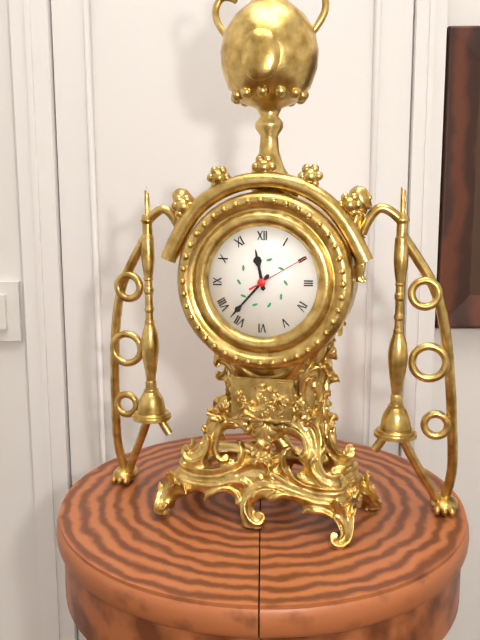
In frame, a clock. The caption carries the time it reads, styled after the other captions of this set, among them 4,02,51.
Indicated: 11,37,10
